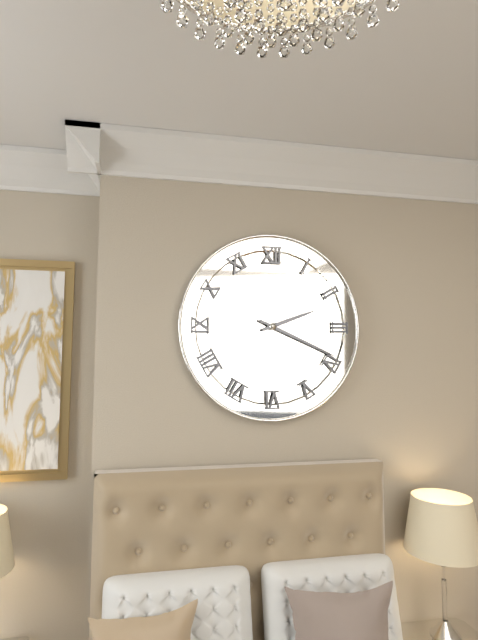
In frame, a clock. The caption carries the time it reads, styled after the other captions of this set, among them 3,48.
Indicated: 2,19
